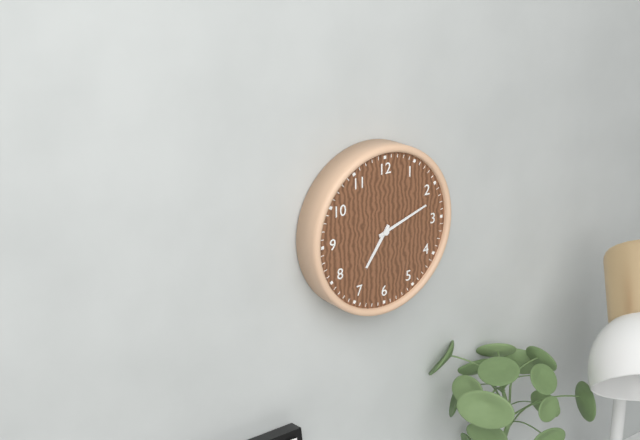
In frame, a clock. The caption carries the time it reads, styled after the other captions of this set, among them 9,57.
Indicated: 7,12
